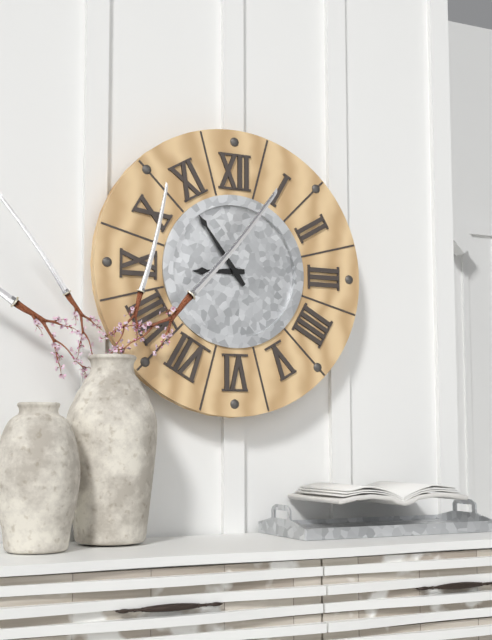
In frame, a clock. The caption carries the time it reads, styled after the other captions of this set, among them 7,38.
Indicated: 8,54
